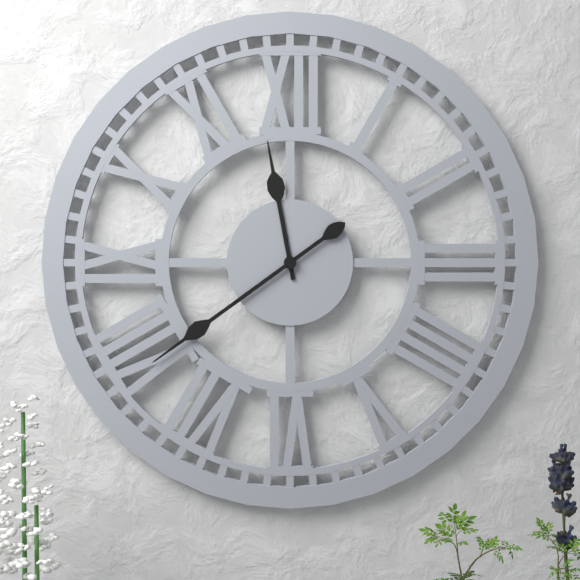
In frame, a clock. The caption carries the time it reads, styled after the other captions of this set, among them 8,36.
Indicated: 11,39
